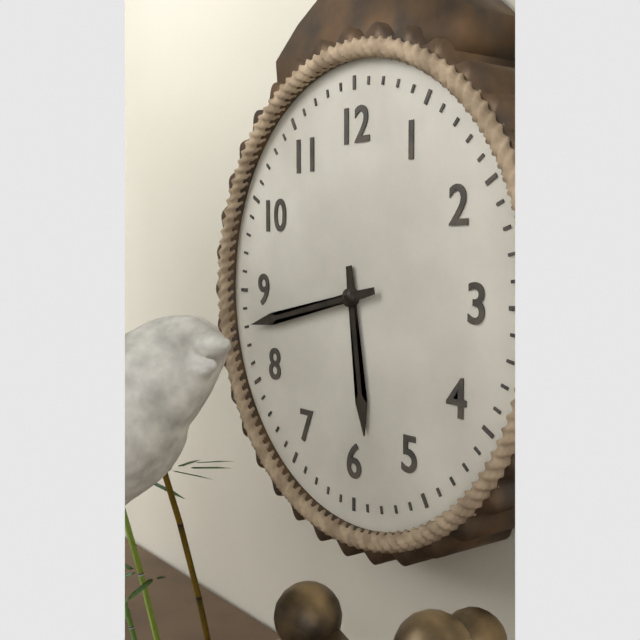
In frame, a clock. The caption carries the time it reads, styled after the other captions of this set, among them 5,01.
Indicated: 5,43
